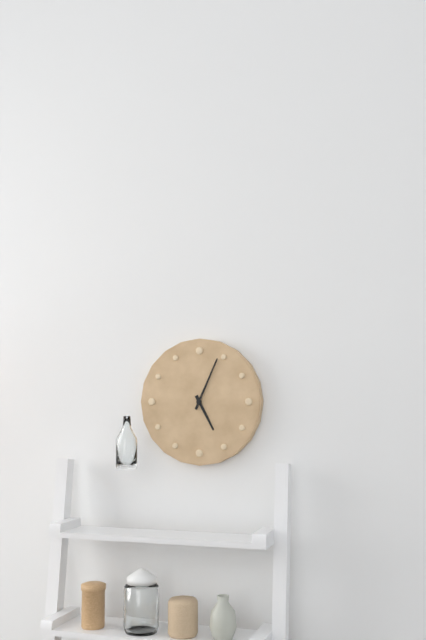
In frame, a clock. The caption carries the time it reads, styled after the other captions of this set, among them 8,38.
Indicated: 5,04
